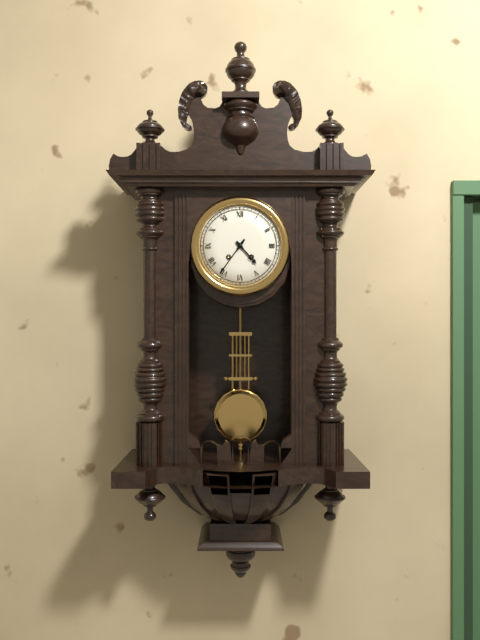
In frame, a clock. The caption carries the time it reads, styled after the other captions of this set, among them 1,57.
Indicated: 4,36
